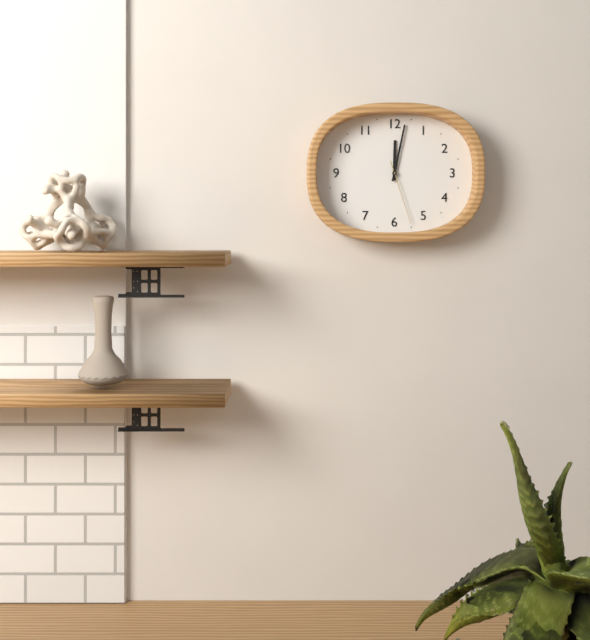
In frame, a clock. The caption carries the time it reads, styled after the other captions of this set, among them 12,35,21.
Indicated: 12,02,27
